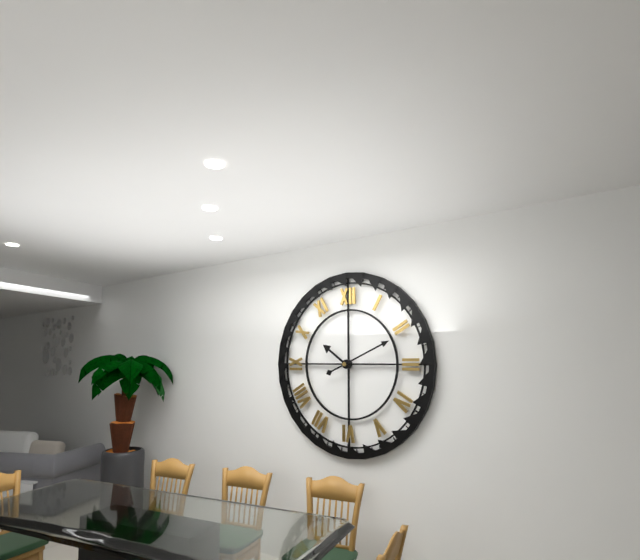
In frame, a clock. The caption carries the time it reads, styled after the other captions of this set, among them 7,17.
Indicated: 10,11
